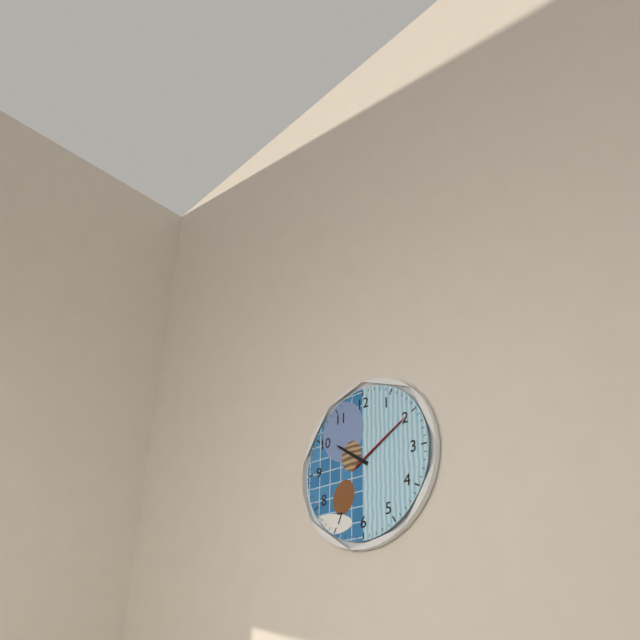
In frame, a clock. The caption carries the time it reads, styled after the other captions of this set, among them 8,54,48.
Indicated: 10,10,10
